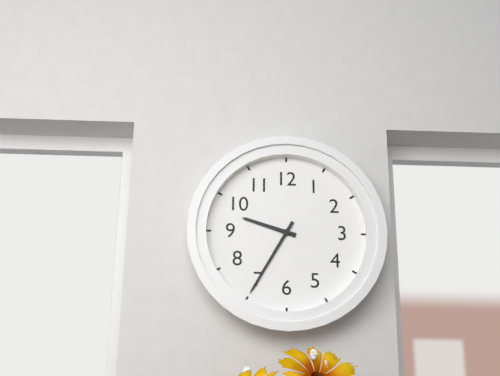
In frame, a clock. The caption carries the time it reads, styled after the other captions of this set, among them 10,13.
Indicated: 9,35
